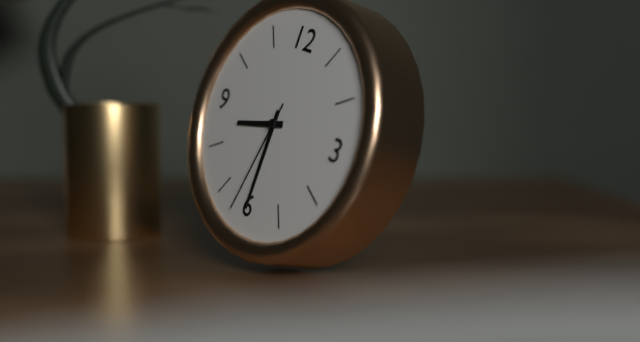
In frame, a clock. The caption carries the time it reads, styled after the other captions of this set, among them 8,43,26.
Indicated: 8,30,32
